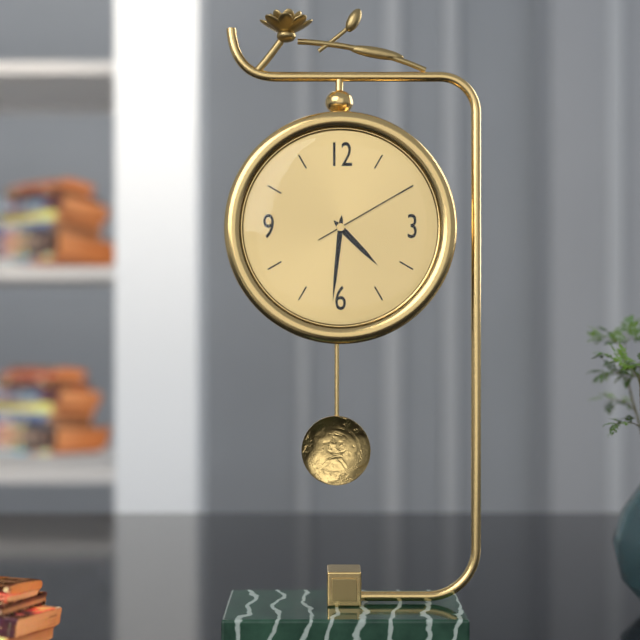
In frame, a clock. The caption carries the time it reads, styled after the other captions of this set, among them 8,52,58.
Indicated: 4,31,10
